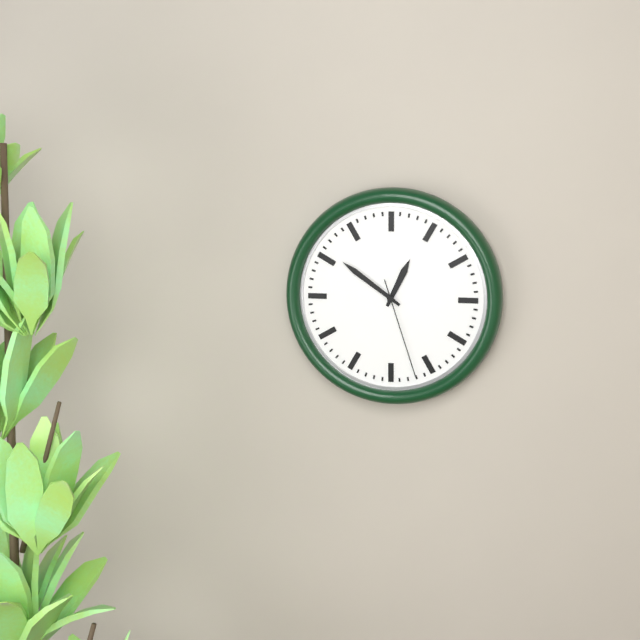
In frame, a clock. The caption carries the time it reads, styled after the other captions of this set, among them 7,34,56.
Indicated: 12,51,27
